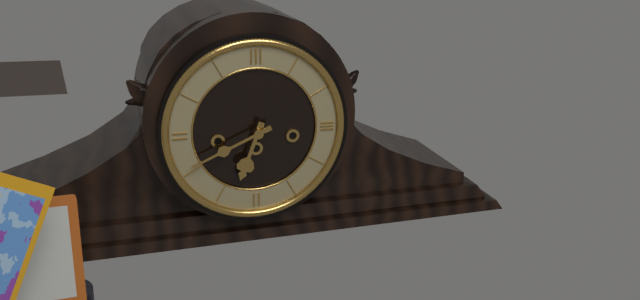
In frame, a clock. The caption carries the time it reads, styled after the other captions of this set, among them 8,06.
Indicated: 6,41
